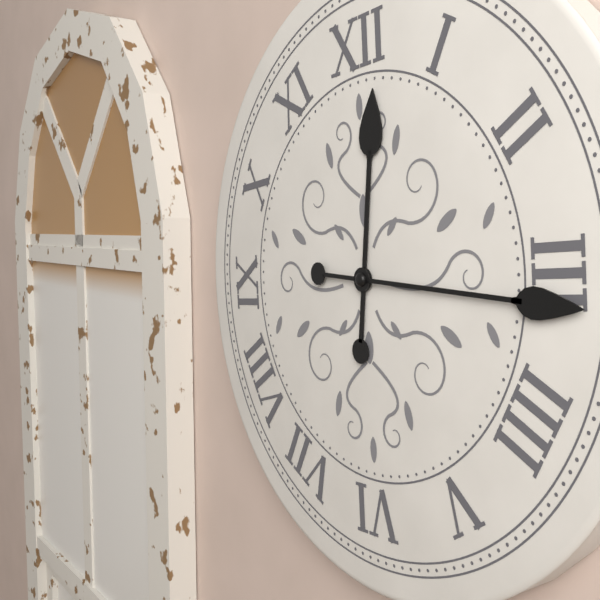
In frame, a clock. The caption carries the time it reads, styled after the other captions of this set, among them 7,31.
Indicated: 12,16
